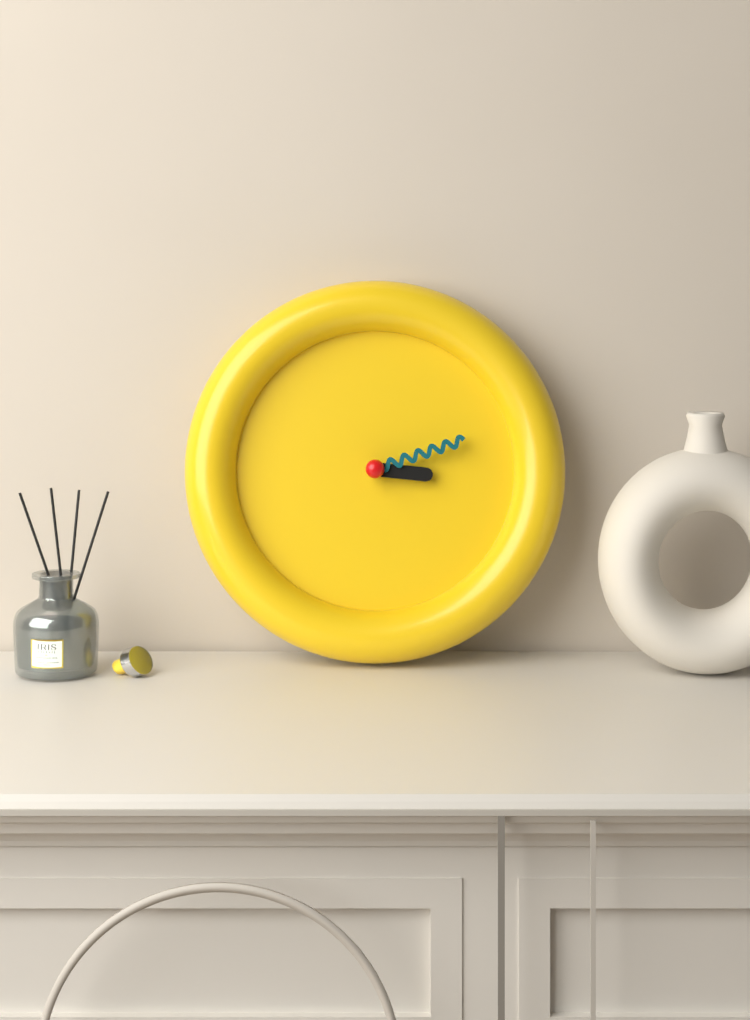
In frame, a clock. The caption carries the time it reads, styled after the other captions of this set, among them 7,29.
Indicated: 3,12
